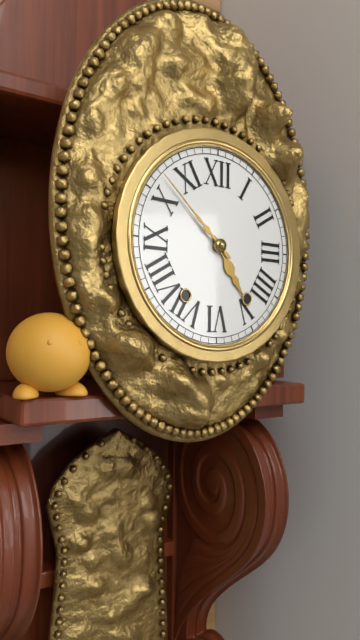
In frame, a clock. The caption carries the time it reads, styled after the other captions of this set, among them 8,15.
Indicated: 4,52
